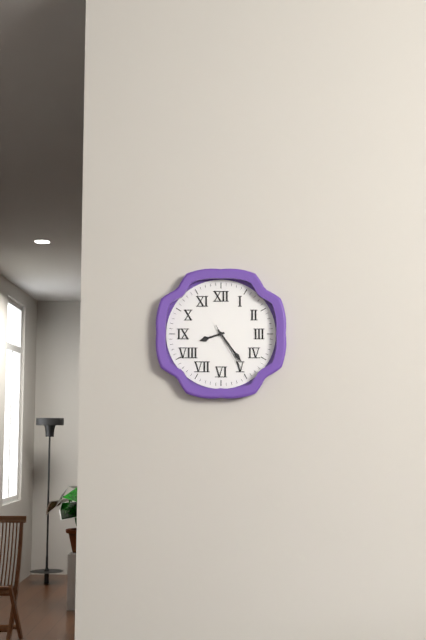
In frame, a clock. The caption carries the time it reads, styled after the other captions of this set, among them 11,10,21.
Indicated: 8,24,25
